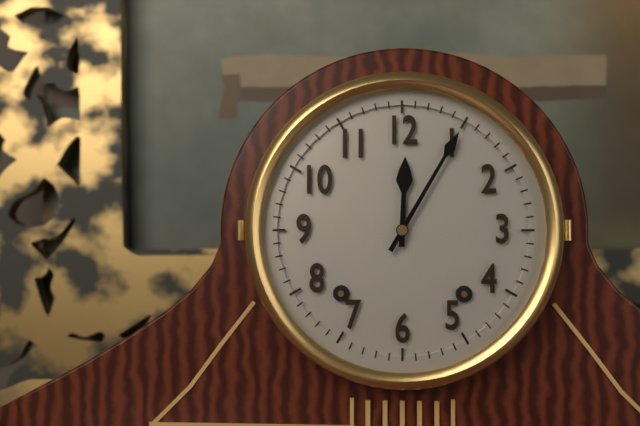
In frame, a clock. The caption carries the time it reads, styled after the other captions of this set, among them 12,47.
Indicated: 12,05
